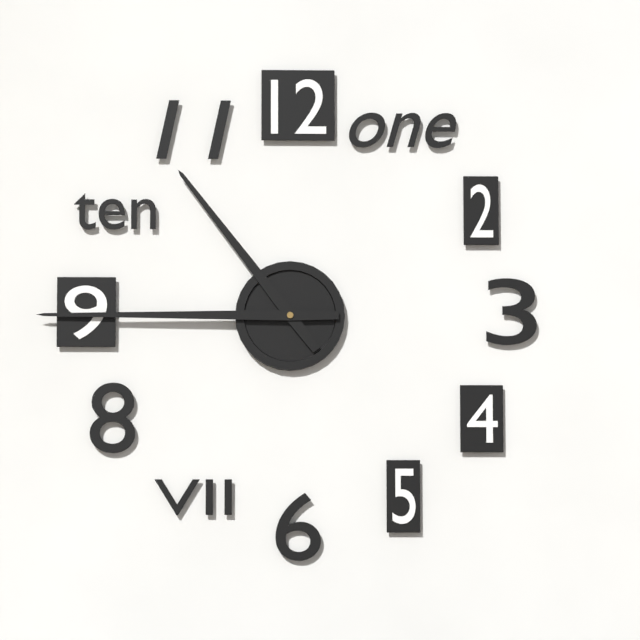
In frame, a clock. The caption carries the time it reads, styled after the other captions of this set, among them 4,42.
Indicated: 10,45
